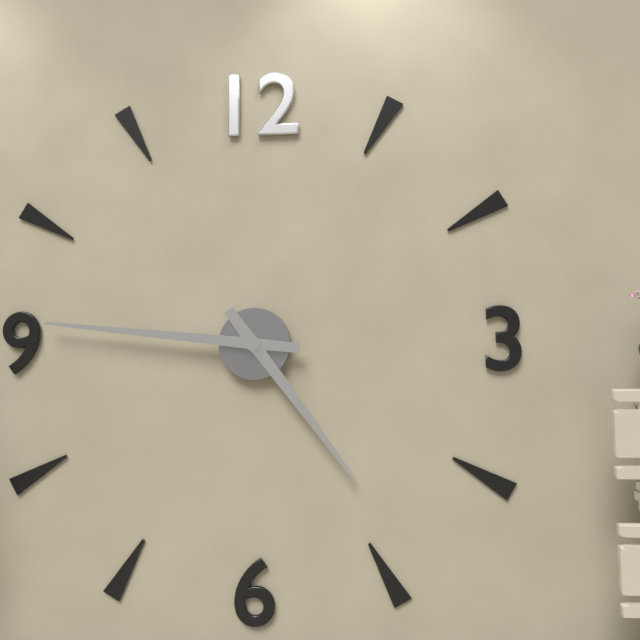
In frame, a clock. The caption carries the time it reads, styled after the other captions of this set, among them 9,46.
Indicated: 4,46
